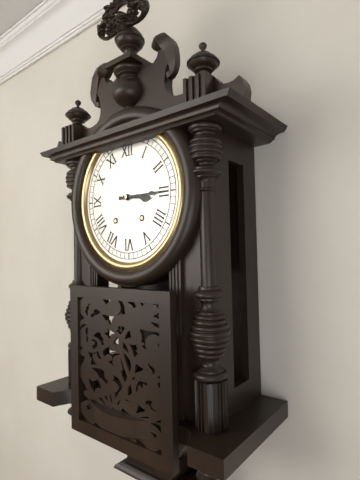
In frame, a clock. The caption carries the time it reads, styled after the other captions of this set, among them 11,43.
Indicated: 3,15
